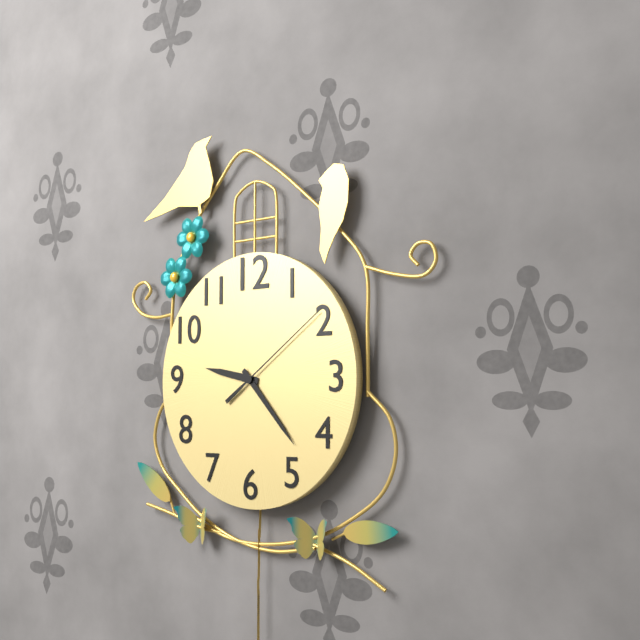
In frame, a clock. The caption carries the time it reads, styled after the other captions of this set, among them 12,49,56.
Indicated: 9,23,09
